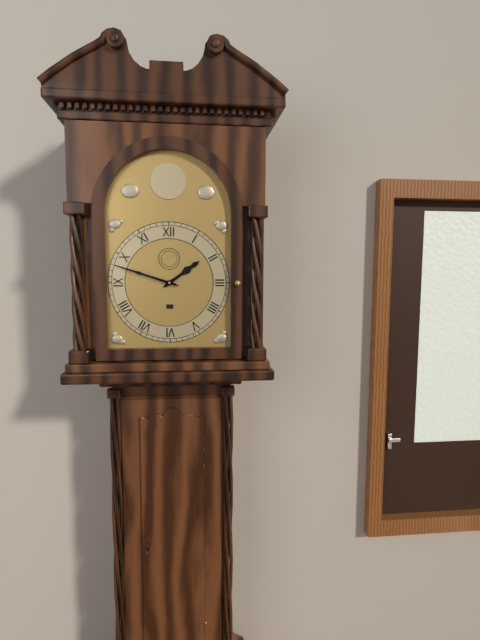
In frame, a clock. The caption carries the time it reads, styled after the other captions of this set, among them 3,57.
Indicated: 1,48
